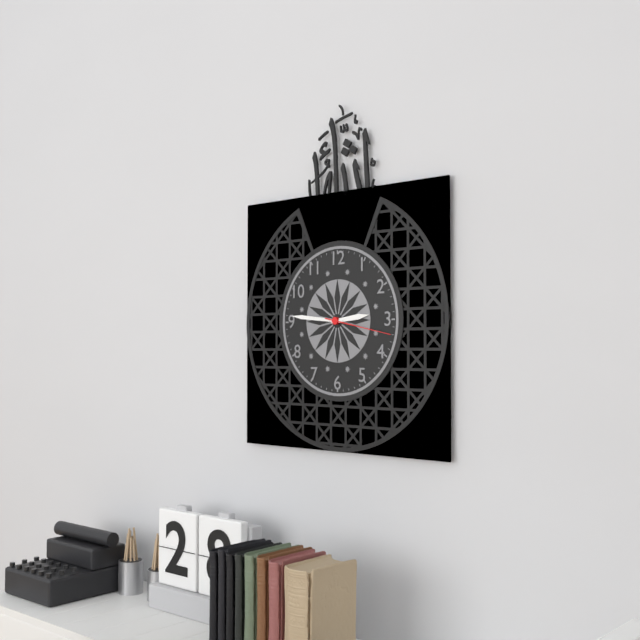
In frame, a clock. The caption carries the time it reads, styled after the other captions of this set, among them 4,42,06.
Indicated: 2,46,17
